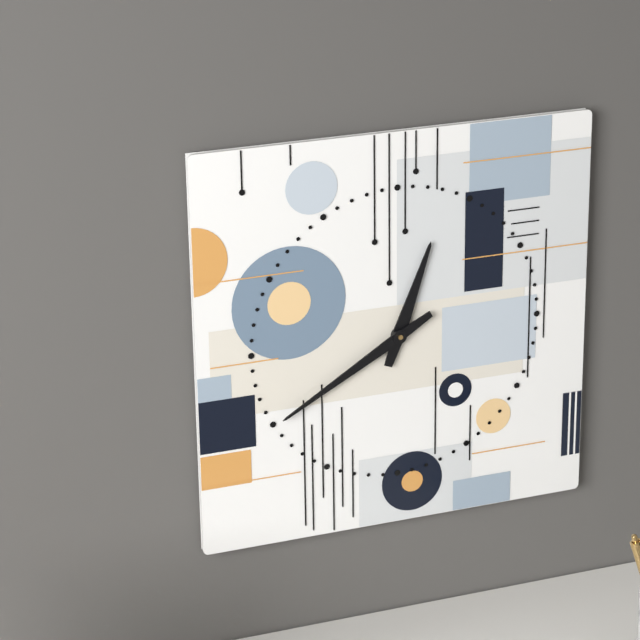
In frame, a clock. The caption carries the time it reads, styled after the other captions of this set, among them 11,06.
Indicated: 12,40
